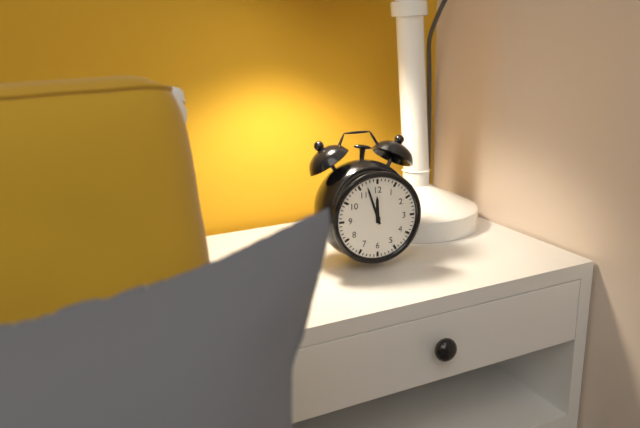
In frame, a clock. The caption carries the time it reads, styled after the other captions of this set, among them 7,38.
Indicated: 11,57
